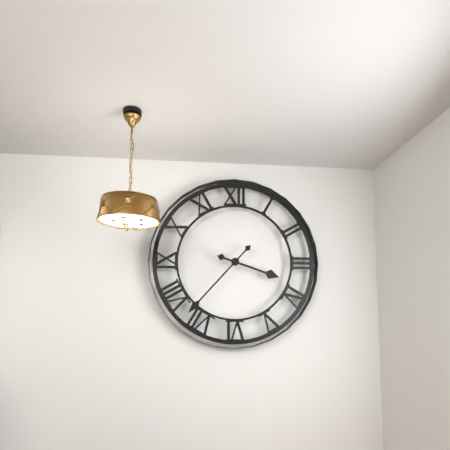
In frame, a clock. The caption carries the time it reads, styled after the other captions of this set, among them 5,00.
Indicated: 3,37
